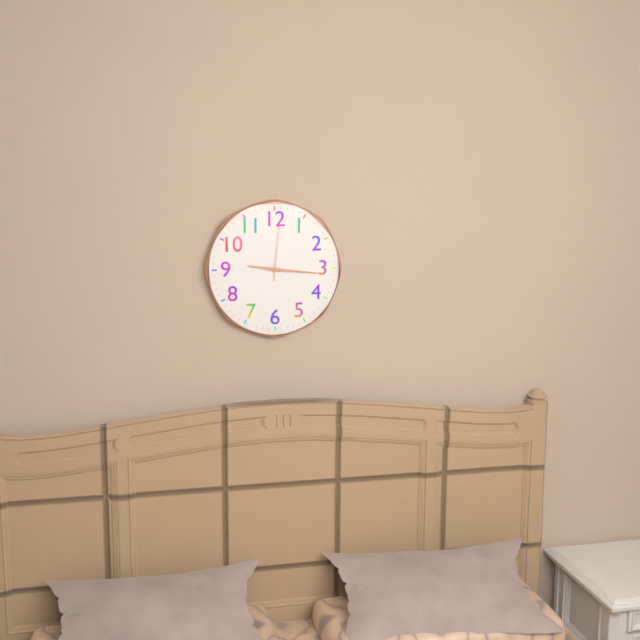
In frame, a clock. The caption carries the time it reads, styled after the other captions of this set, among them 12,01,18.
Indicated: 9,16,01
